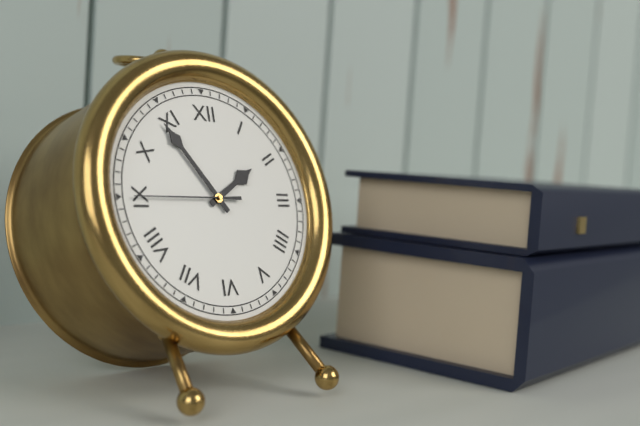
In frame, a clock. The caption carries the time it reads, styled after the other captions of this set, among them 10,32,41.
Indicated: 1,54,45
